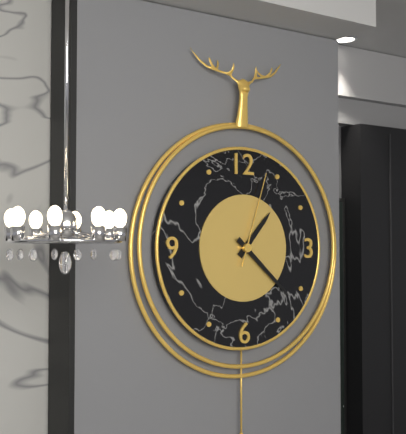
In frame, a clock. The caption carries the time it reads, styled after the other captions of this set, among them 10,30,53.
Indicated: 1,22,03
